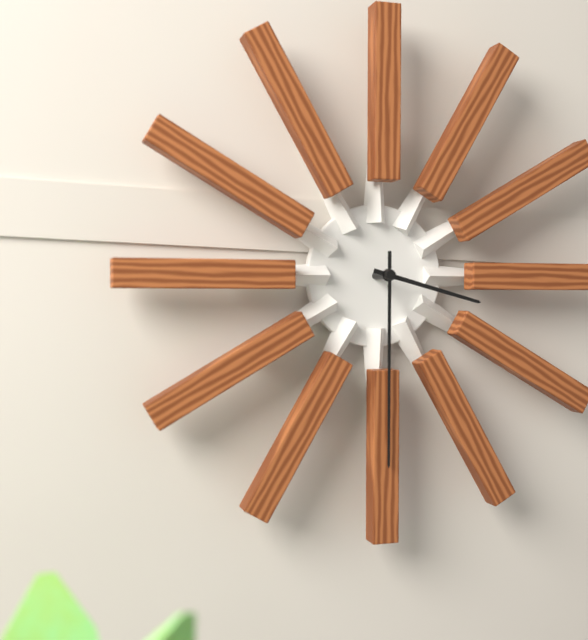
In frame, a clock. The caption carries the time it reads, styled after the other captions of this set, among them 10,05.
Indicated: 3,30
